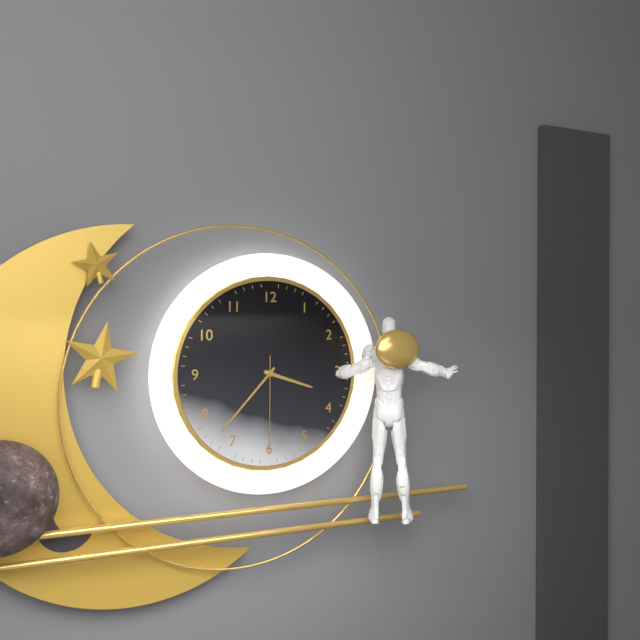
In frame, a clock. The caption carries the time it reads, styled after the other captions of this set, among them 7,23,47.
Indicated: 3,37,30
